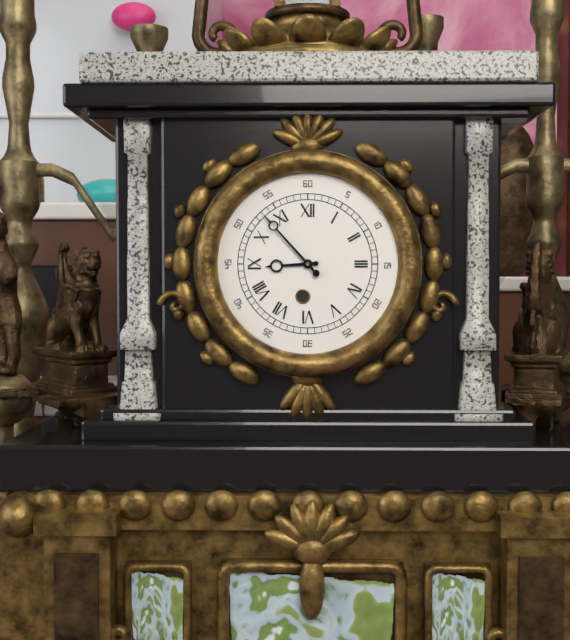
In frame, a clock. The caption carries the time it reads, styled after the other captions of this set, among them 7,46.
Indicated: 8,53
